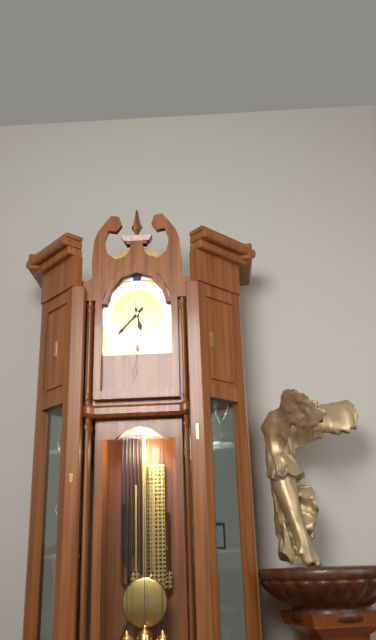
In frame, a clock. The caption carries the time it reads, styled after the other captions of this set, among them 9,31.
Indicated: 5,37
